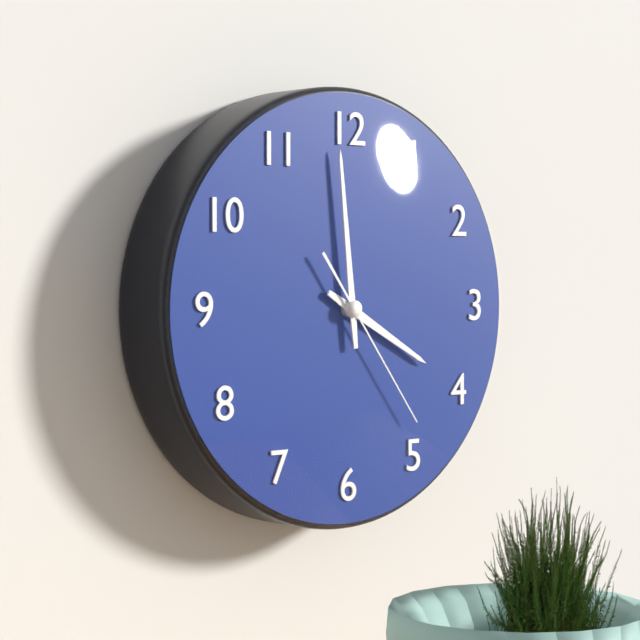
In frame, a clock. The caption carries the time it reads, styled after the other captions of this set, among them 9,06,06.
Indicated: 3,59,24
